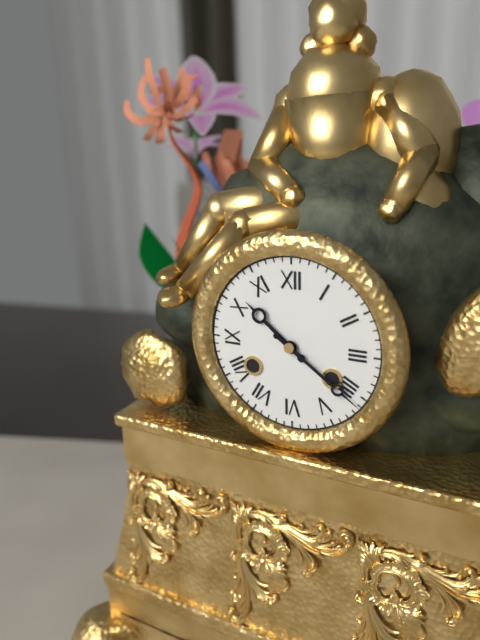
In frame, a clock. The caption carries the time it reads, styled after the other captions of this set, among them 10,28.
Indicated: 10,21
